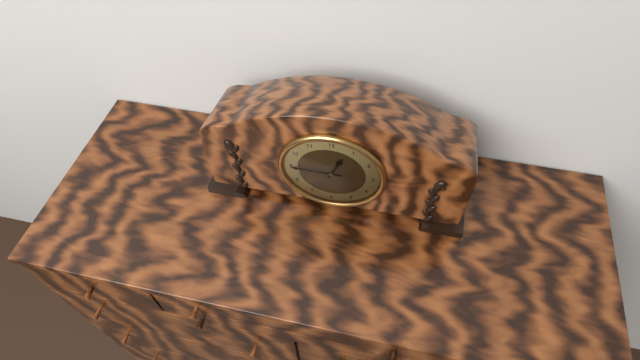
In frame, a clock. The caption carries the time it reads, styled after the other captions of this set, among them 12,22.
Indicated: 12,45
